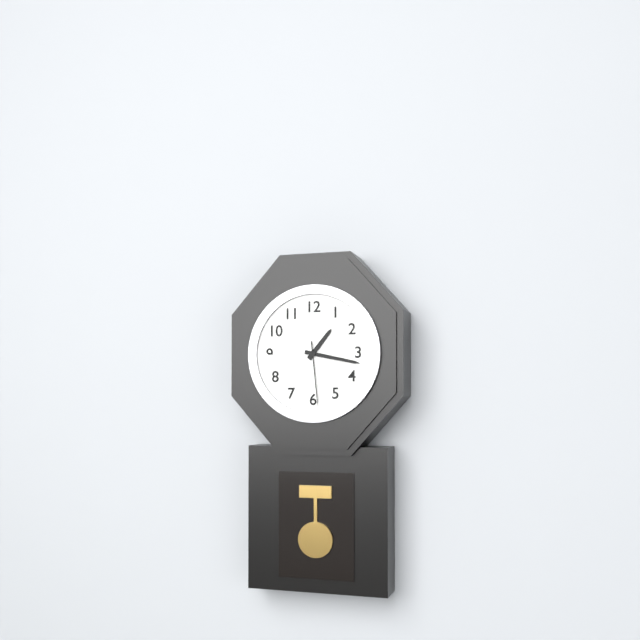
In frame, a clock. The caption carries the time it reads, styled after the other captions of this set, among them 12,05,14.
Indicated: 1,17,29
